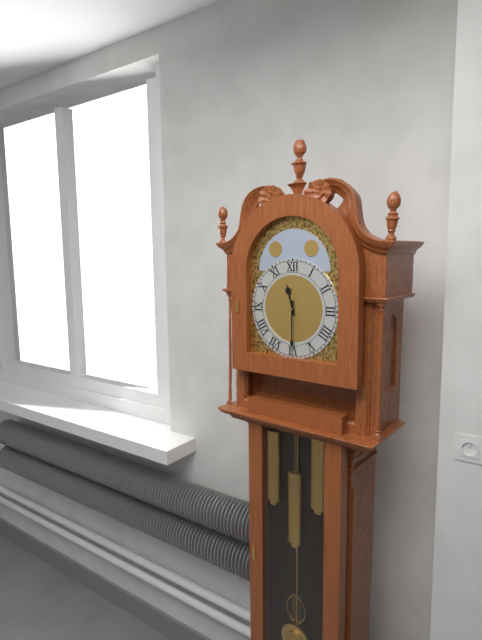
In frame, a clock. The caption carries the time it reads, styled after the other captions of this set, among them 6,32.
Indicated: 11,30
